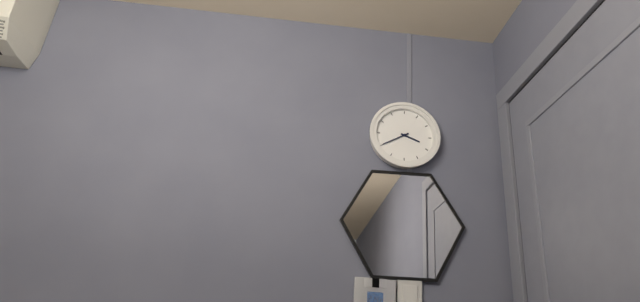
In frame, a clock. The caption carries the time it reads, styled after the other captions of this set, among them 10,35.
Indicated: 3,40
